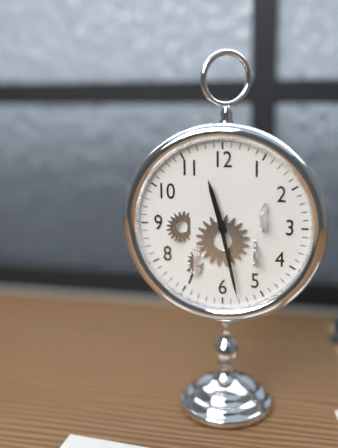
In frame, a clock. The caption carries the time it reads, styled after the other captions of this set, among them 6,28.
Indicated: 11,28
